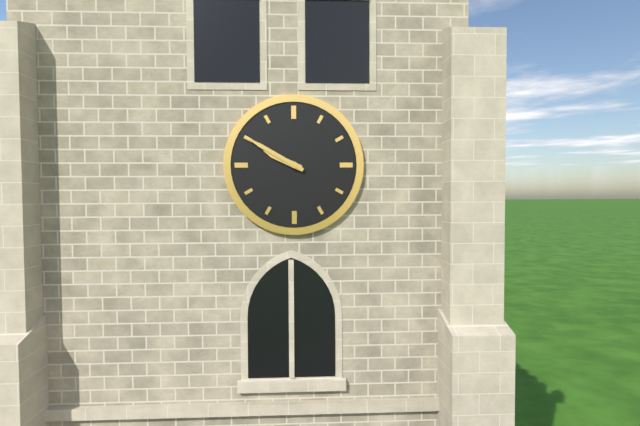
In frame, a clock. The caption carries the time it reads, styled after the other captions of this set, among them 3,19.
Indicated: 9,50
